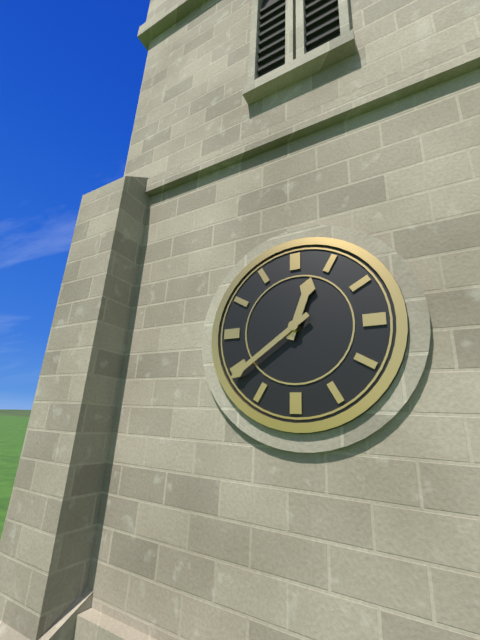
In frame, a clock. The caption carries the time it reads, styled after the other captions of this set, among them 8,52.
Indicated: 12,39
